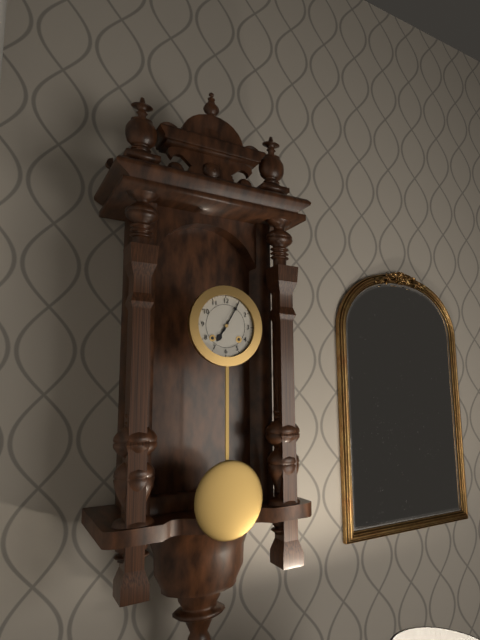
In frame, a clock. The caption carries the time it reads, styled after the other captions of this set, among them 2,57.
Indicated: 7,05
